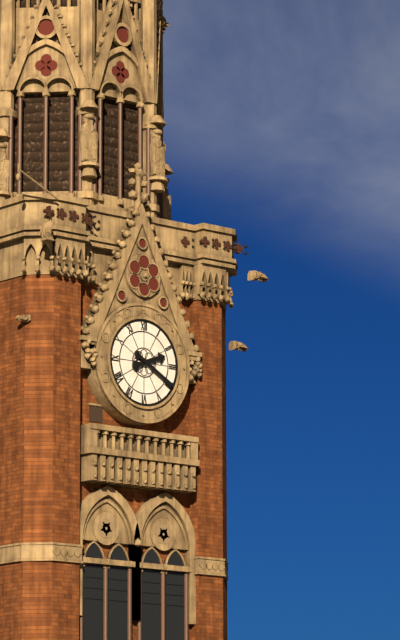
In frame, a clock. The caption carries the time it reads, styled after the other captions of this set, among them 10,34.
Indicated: 2,20
